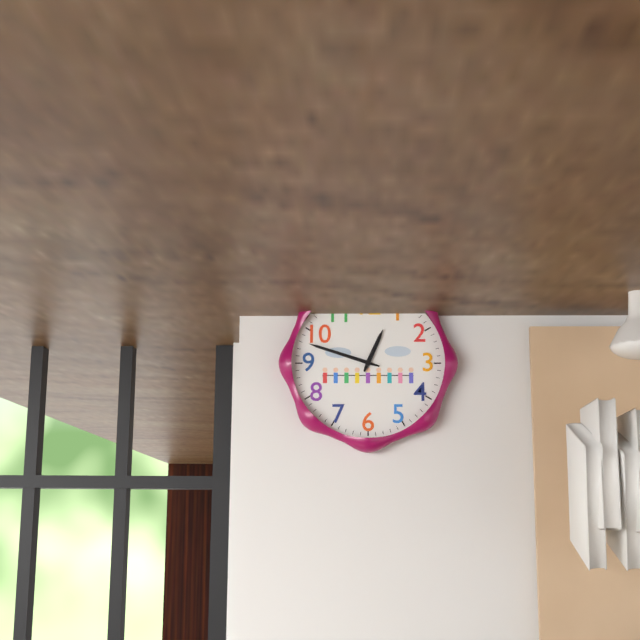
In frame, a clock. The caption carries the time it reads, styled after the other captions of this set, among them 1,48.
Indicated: 12,48
